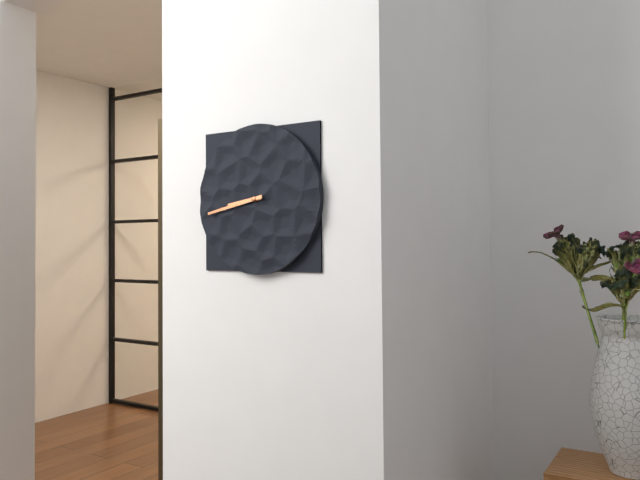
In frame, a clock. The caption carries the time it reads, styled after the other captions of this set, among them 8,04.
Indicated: 8,43
